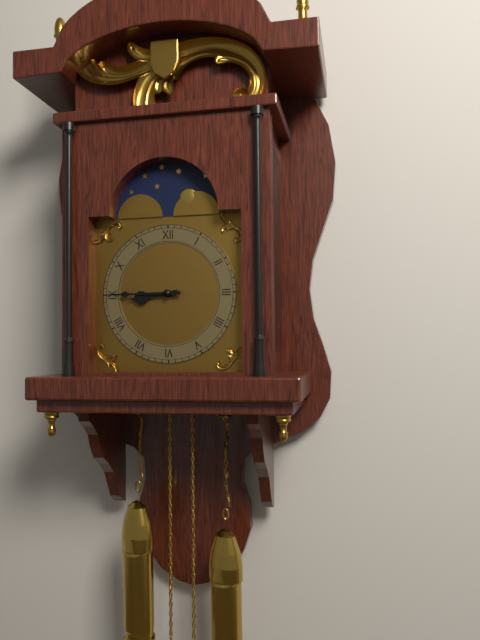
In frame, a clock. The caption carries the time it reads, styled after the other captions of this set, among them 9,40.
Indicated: 8,45
